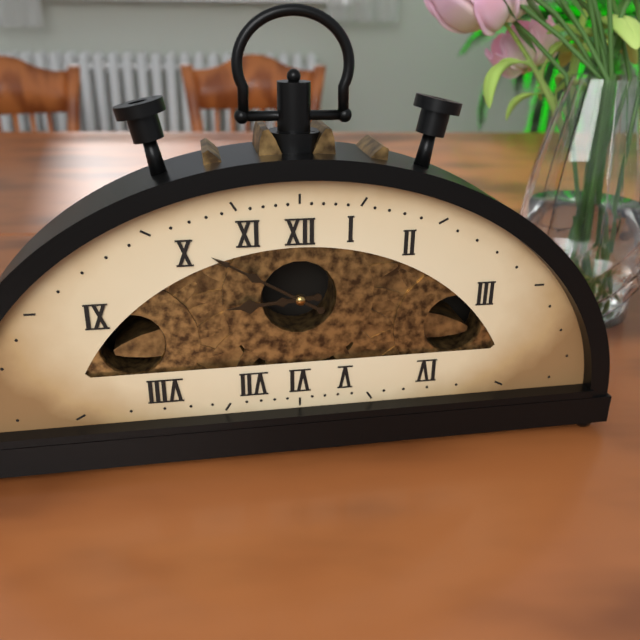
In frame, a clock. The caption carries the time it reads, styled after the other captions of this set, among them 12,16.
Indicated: 8,50
